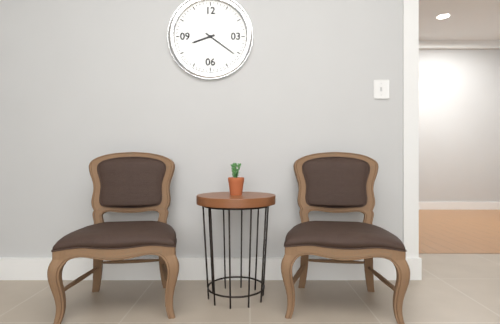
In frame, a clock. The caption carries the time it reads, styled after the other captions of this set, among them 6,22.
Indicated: 8,21
